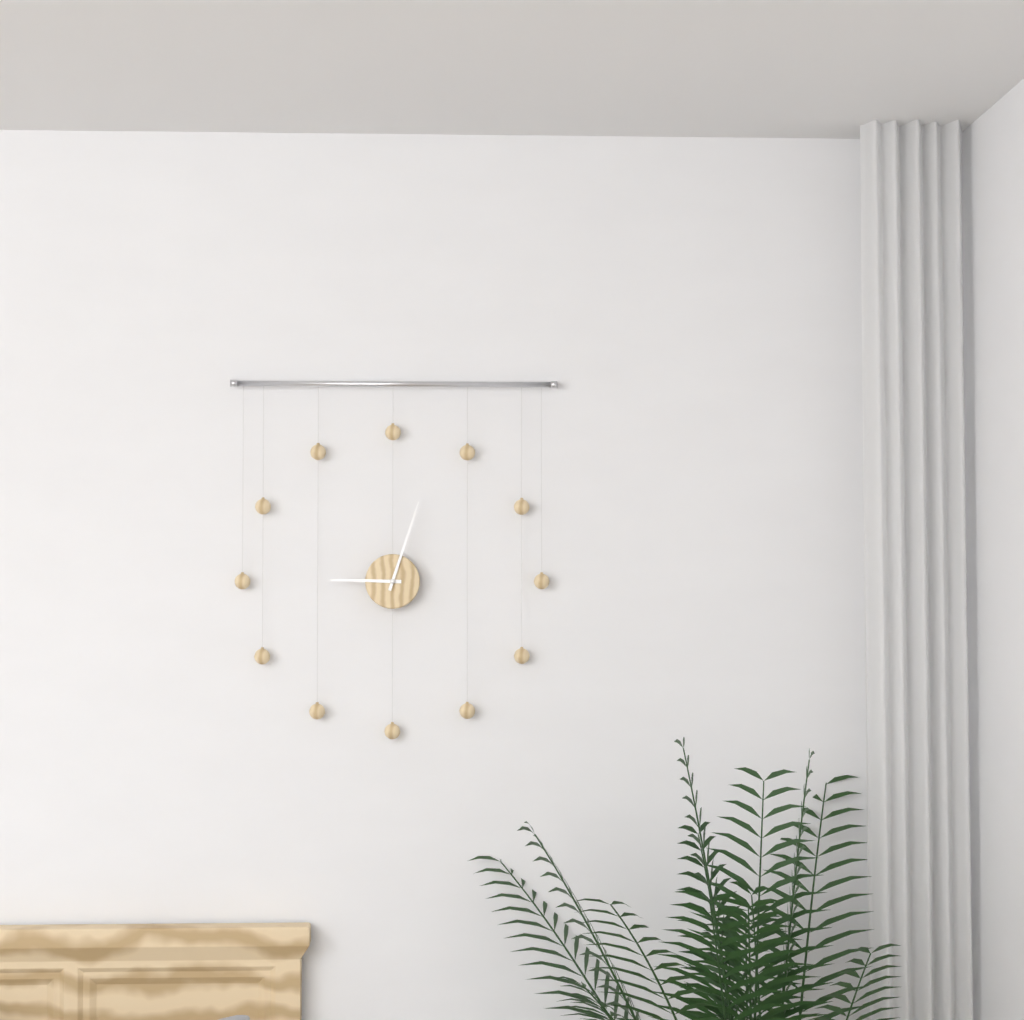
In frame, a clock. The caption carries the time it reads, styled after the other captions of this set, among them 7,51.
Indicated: 9,03
